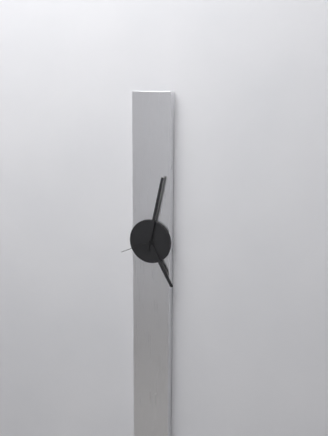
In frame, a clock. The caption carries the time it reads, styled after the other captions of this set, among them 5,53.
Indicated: 5,02
